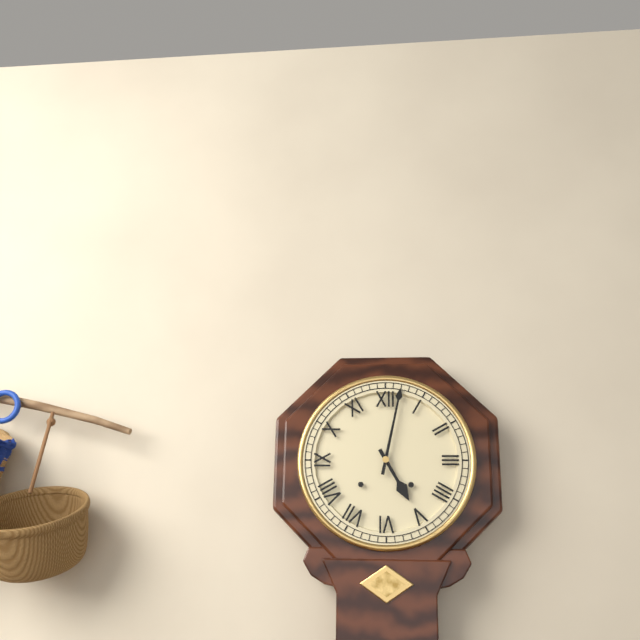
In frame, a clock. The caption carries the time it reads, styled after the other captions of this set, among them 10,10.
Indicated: 5,02
